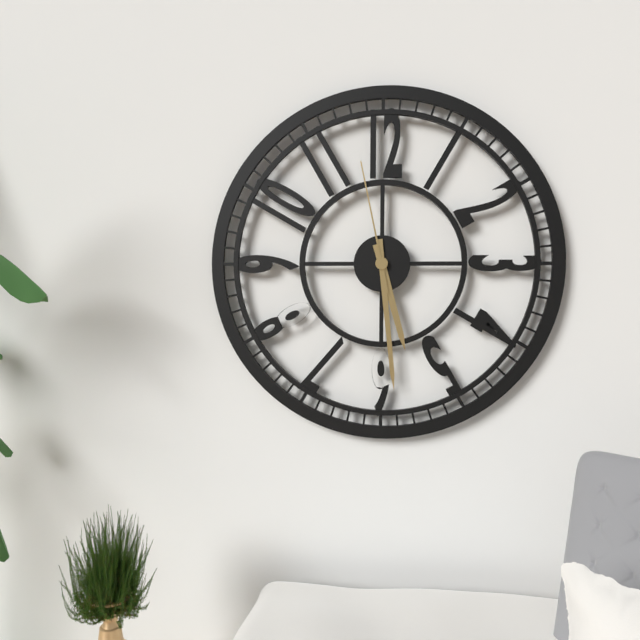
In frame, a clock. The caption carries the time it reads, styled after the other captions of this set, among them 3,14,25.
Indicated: 5,29,58
